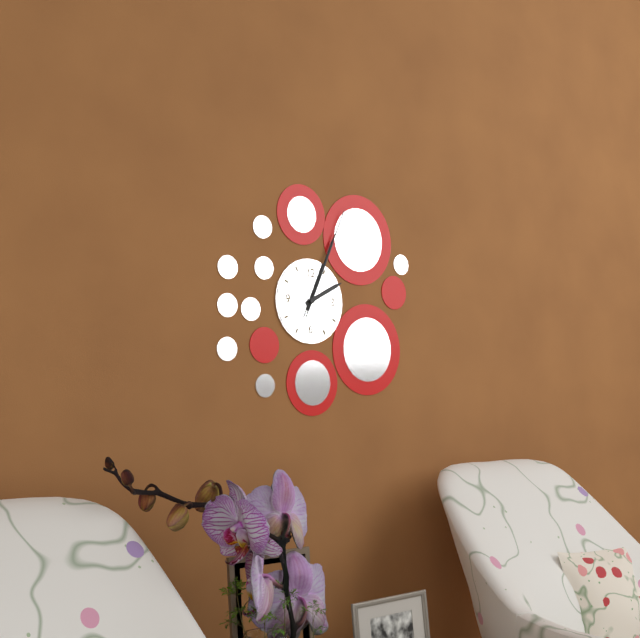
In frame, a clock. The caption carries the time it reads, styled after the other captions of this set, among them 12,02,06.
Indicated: 2,04,04
